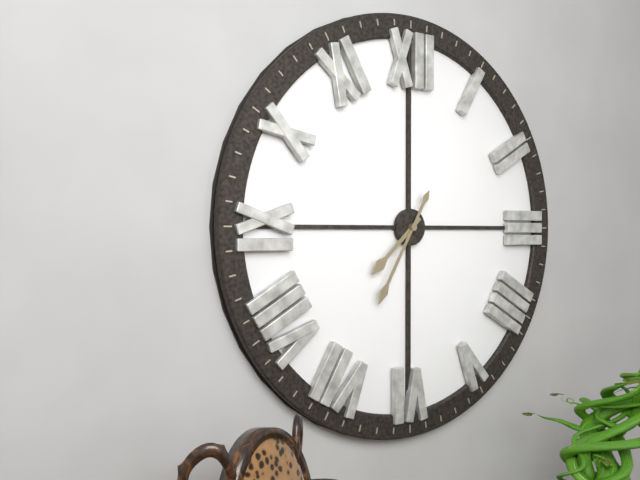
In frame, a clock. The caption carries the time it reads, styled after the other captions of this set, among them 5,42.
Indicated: 7,35
